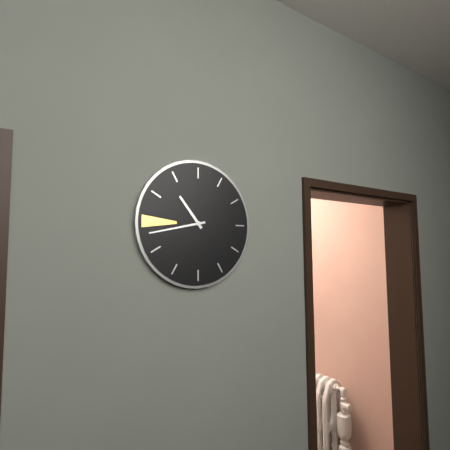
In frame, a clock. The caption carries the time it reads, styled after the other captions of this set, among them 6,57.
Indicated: 10,43
